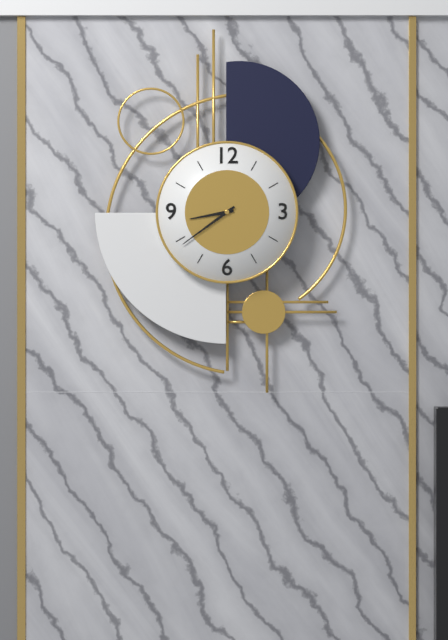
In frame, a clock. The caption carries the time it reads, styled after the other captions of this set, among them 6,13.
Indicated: 8,39
